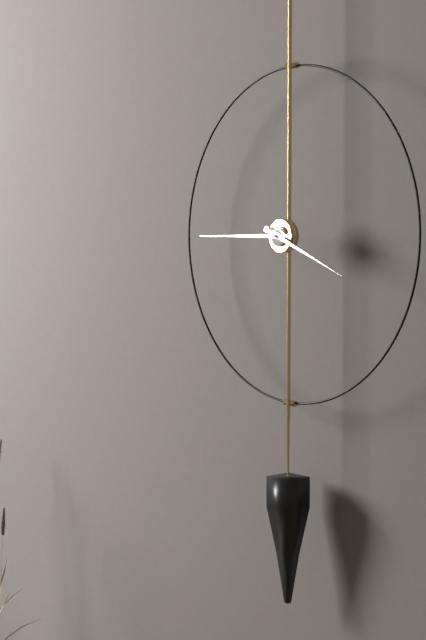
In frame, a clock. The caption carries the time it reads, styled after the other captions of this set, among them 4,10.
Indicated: 3,45
